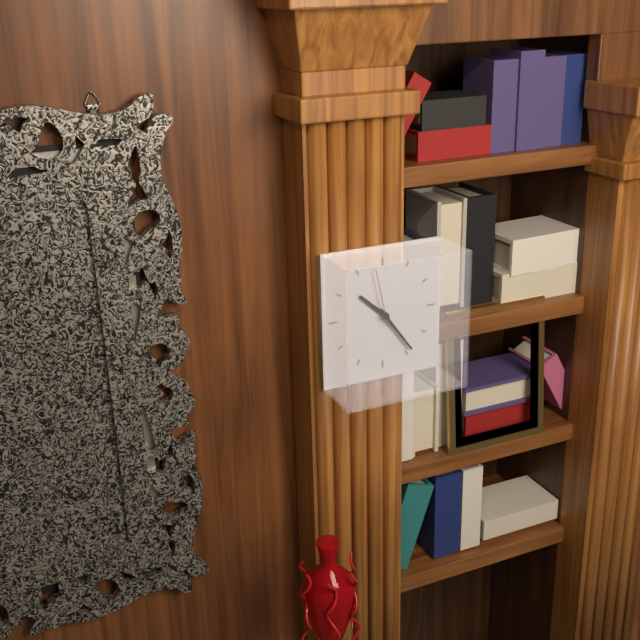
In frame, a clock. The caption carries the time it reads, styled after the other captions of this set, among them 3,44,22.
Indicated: 10,24,58
